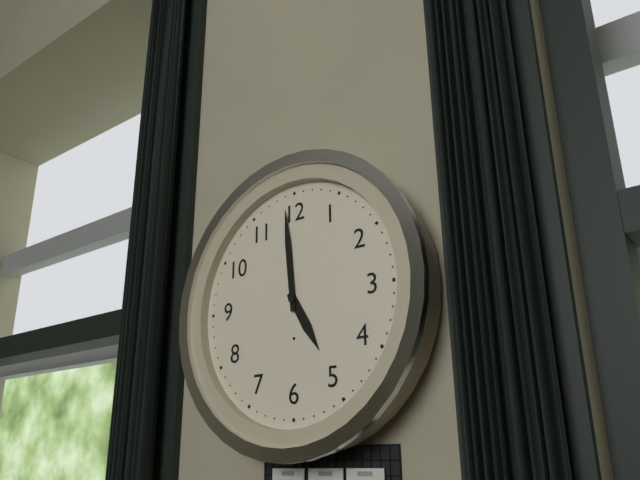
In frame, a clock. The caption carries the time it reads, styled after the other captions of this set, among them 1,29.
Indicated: 4,59
